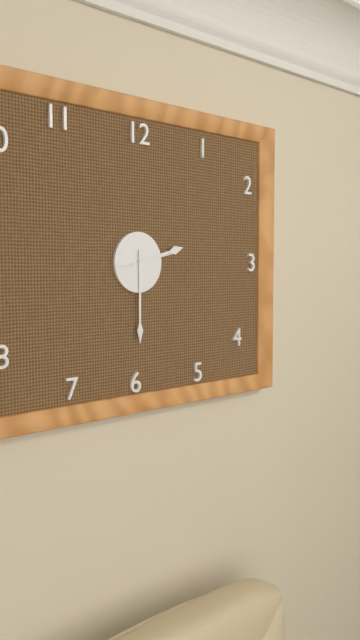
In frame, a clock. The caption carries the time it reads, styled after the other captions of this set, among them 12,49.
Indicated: 2,30
